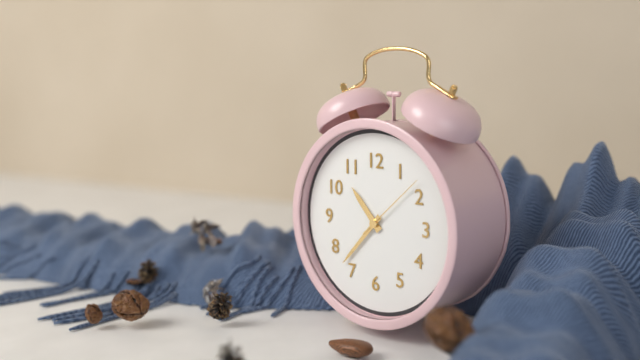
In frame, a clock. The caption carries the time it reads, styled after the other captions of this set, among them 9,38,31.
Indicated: 10,37,08
